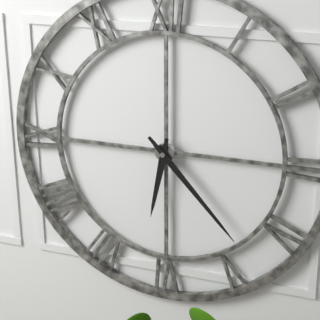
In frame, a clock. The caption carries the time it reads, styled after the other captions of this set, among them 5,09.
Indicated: 6,23
